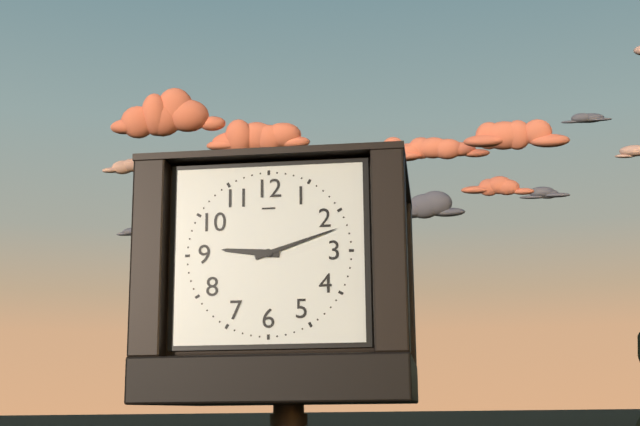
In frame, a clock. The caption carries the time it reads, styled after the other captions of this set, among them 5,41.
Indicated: 9,12
